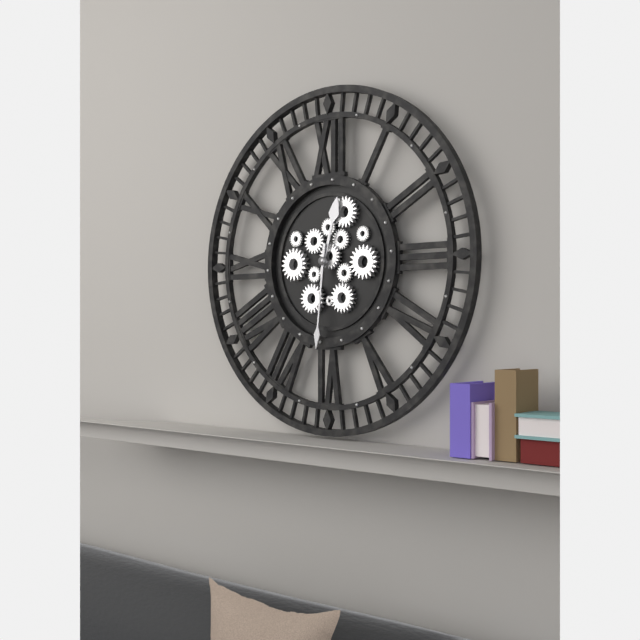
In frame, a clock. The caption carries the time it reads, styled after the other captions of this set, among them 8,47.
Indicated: 12,31
